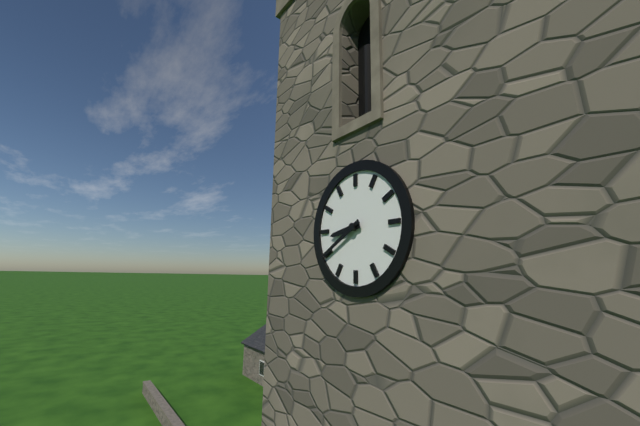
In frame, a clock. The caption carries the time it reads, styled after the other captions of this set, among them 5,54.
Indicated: 8,40
